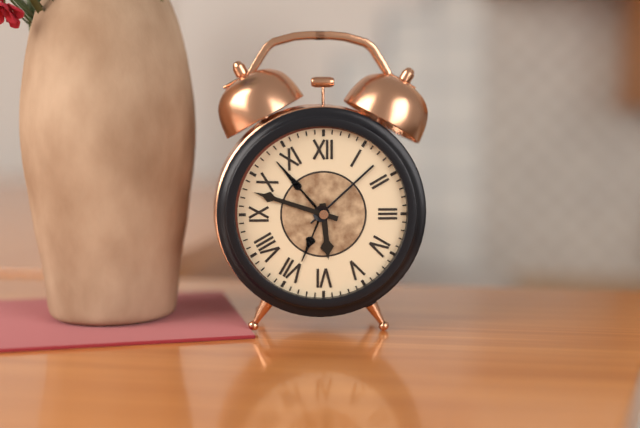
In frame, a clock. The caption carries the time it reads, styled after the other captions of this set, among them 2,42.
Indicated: 5,48
